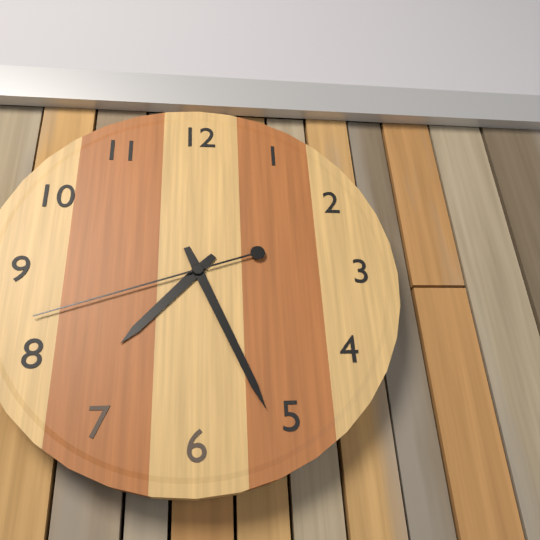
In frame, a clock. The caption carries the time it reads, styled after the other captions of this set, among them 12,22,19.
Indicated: 7,26,42
